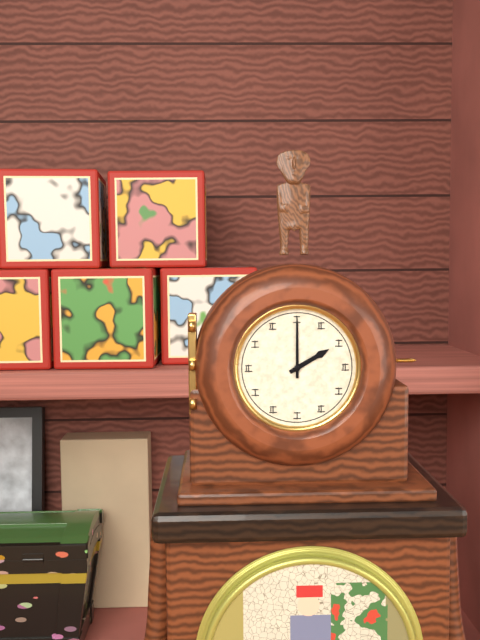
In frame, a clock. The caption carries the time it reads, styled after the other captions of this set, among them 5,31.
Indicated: 2,00
